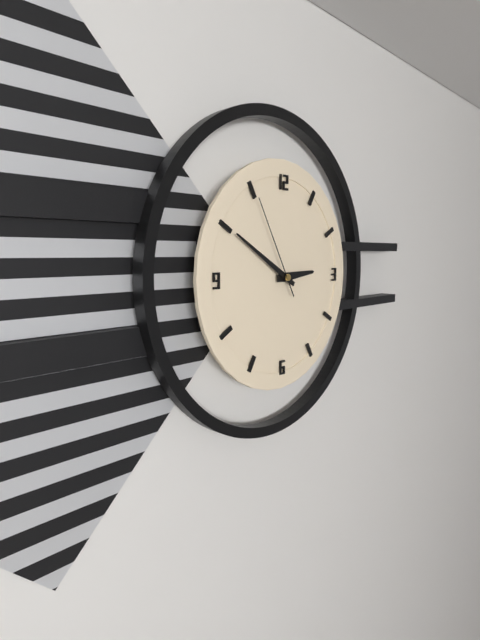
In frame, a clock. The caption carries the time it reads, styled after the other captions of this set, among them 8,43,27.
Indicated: 2,50,55
